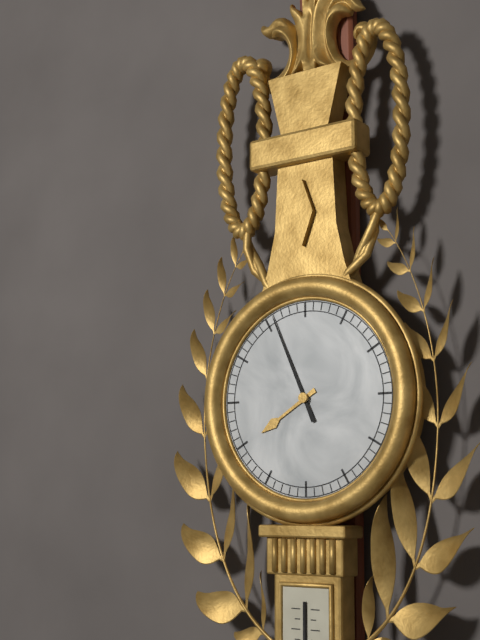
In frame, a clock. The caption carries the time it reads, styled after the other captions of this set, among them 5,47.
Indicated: 7,56
